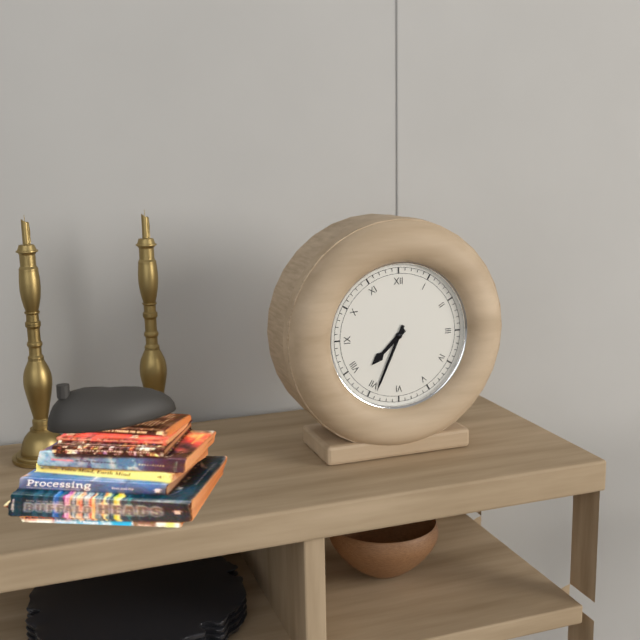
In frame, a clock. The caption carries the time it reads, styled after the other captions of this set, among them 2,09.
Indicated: 7,34
